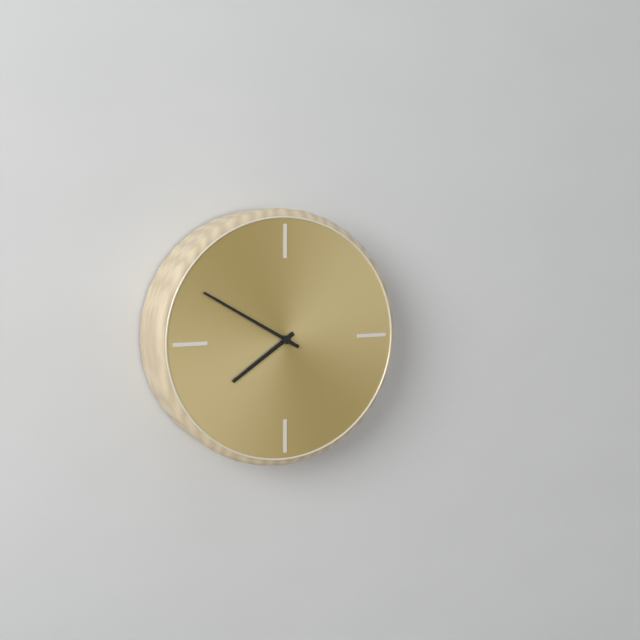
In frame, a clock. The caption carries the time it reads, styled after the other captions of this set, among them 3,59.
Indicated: 7,50
